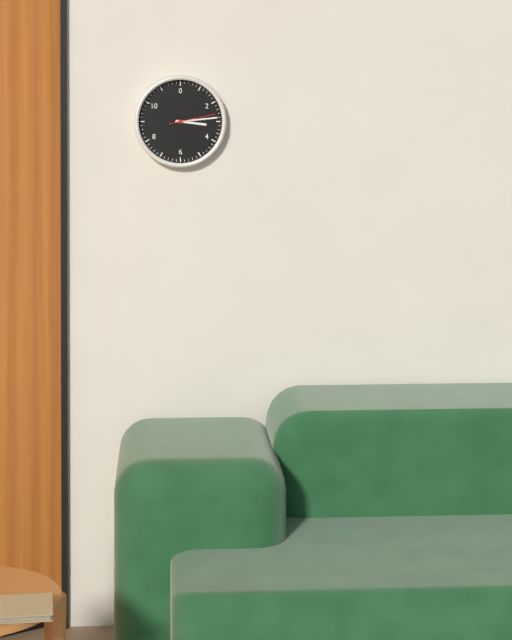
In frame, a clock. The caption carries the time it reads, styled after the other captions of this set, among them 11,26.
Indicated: 3,14
